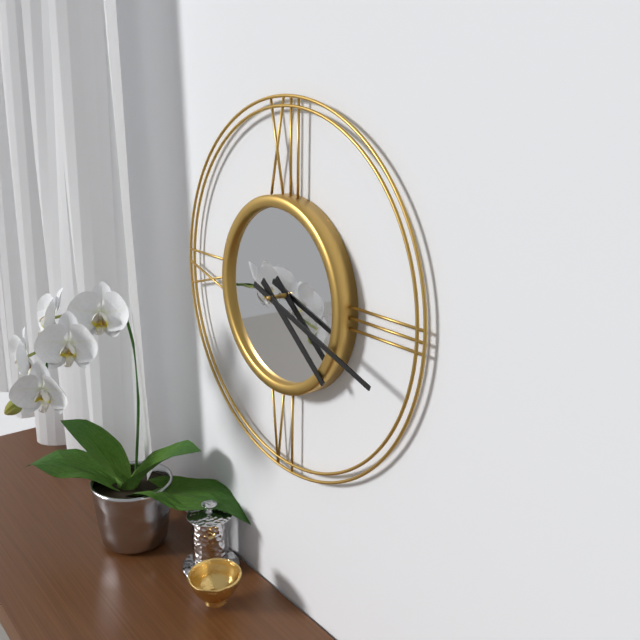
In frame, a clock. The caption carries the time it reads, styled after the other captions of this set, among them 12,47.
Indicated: 4,18
